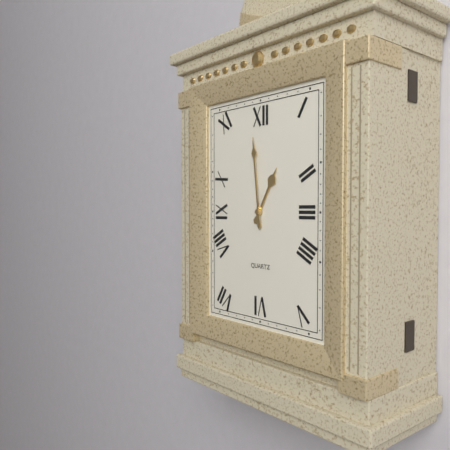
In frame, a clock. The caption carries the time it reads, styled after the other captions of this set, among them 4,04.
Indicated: 12,59
